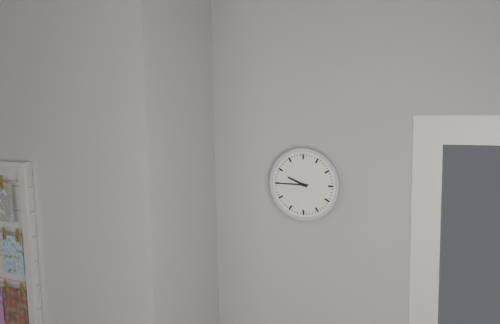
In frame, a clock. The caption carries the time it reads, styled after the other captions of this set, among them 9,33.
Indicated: 9,45
